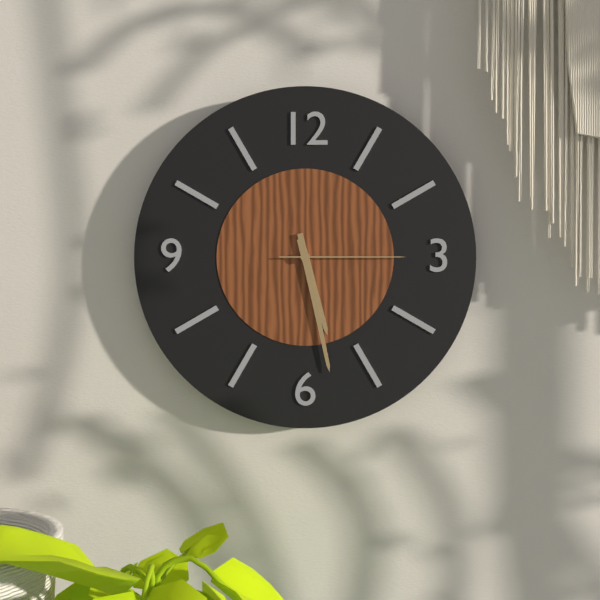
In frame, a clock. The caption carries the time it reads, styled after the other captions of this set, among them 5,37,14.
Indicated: 5,28,15
